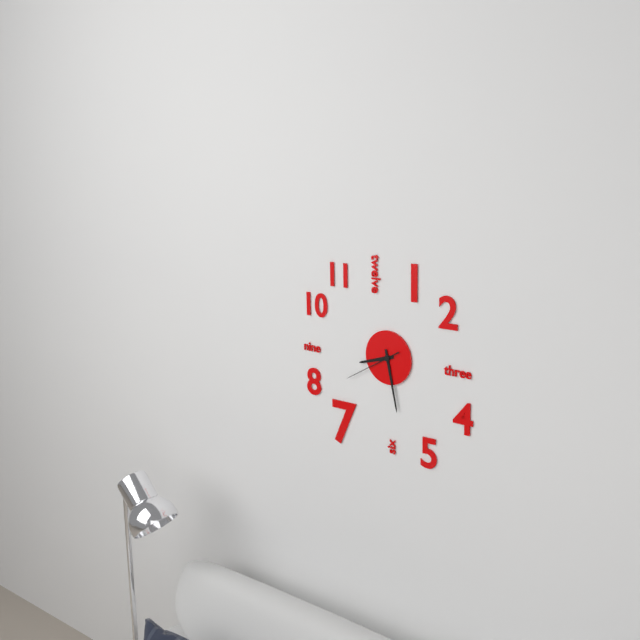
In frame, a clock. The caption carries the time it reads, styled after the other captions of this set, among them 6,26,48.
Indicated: 8,28,40
